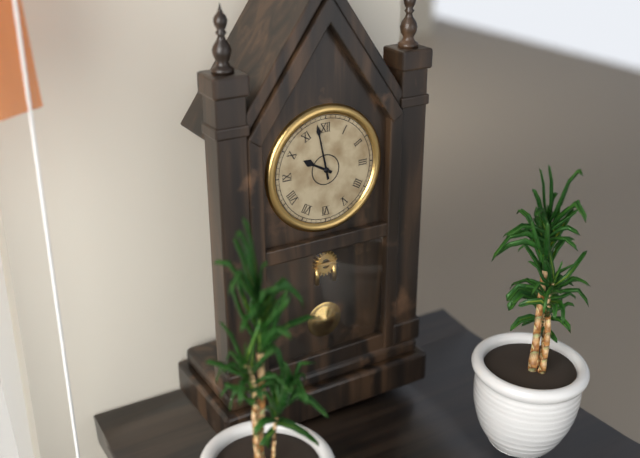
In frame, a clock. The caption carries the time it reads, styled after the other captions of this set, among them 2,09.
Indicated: 9,58
